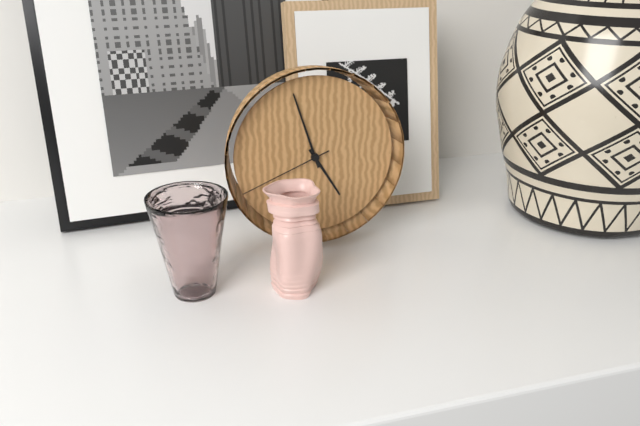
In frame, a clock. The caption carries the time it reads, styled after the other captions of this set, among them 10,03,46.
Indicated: 4,57,41
